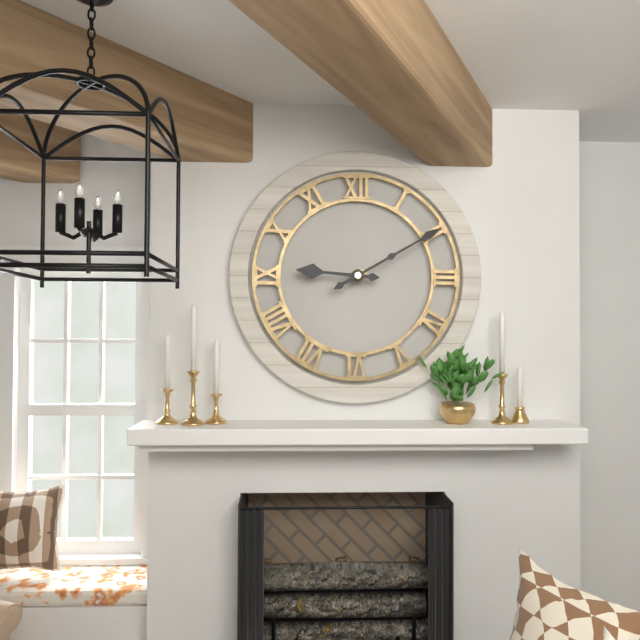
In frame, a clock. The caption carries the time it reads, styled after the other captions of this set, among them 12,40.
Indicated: 9,10
